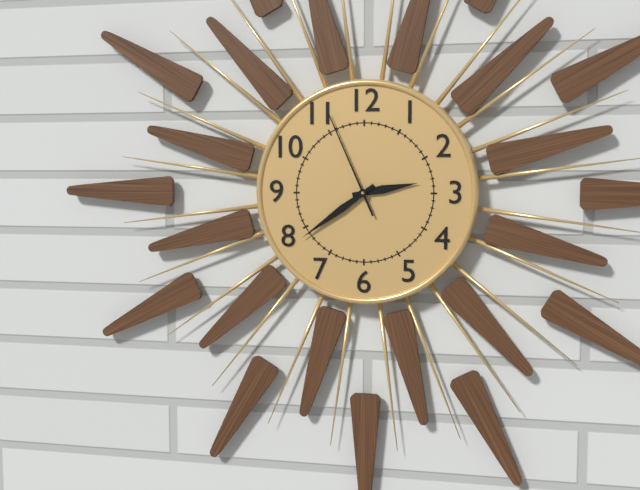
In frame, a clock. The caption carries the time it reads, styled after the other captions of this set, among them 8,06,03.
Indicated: 2,39,56
